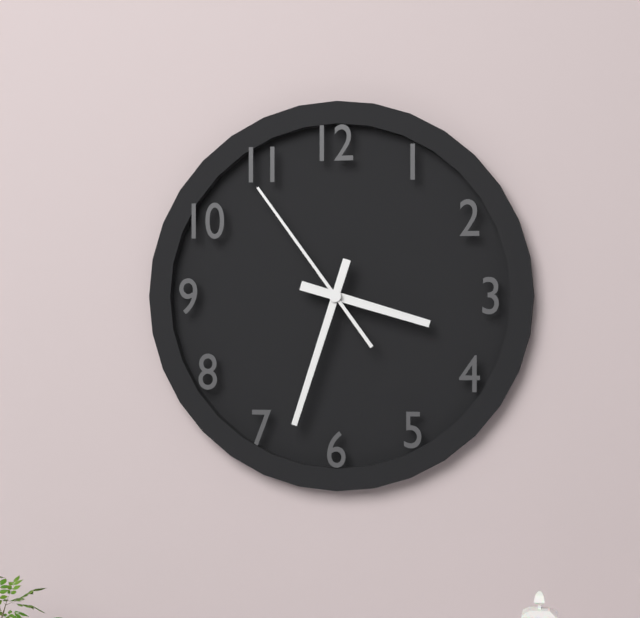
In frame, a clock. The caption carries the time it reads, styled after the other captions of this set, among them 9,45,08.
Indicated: 3,33,54
